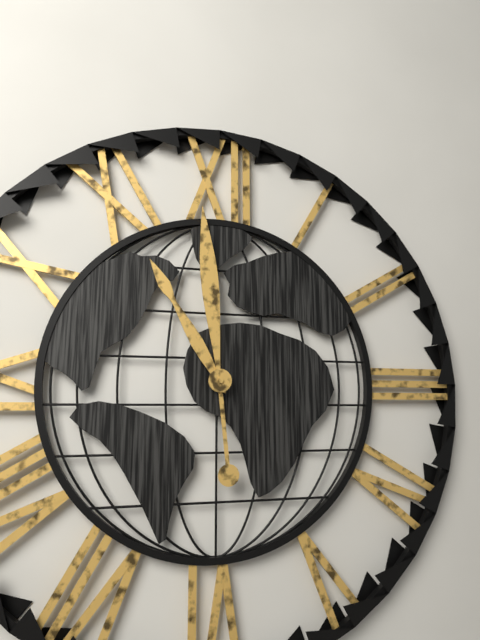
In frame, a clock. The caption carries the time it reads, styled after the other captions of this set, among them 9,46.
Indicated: 10,59
